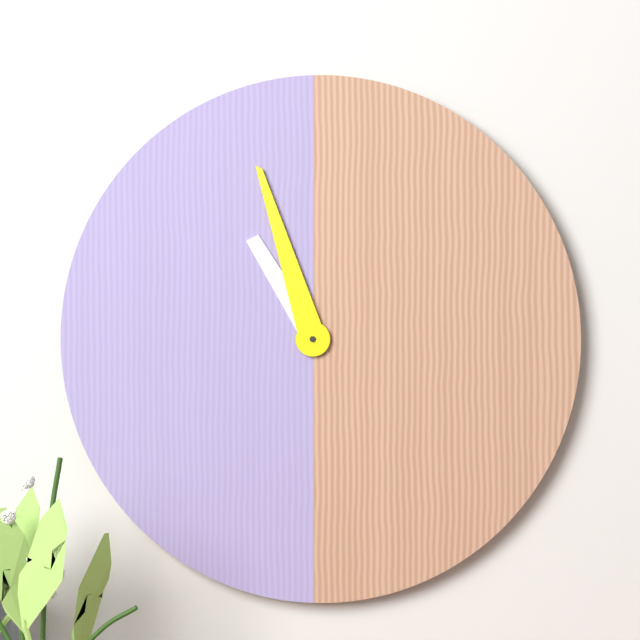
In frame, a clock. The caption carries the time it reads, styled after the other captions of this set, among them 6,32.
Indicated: 10,57
